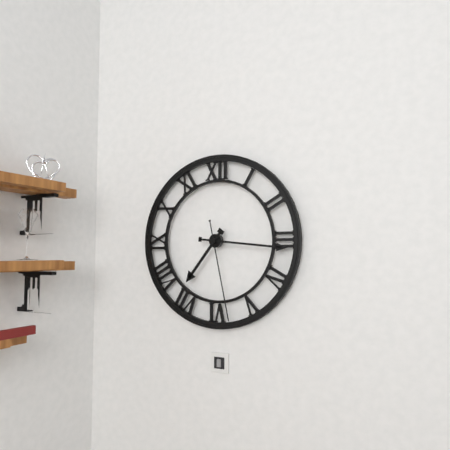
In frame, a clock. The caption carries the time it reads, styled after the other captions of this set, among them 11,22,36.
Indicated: 7,16,28
